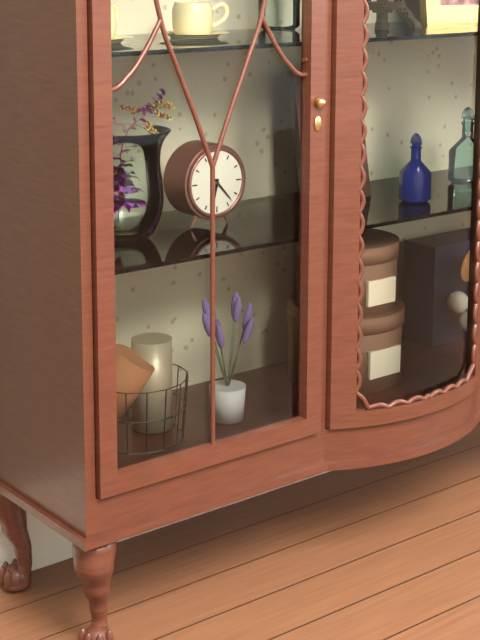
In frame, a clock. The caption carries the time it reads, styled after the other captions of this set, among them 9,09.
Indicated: 6,23
